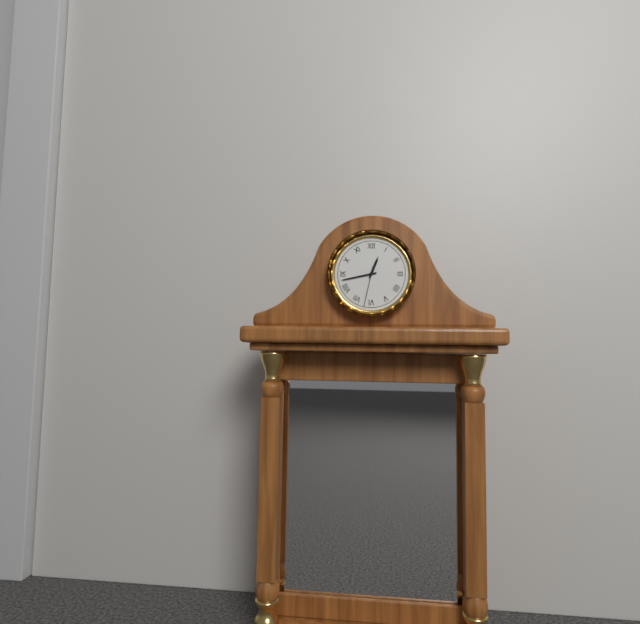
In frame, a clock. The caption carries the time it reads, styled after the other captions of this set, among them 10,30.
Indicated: 12,43
